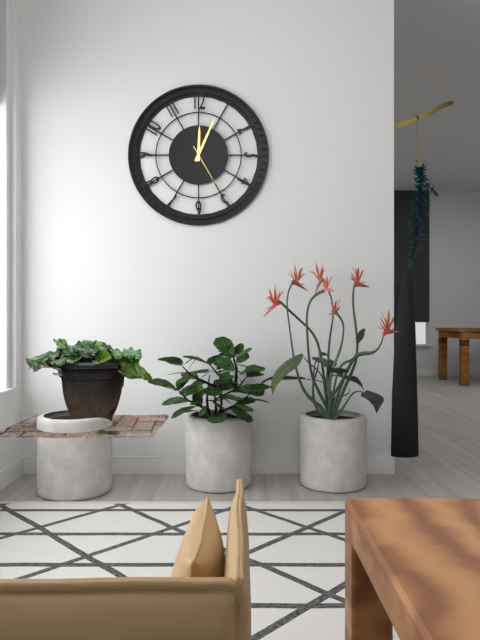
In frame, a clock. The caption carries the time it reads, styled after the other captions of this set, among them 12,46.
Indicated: 12,04
